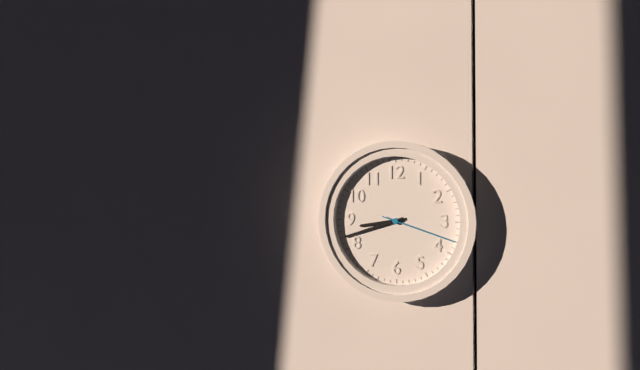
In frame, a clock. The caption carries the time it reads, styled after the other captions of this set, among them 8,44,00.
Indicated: 8,42,18
